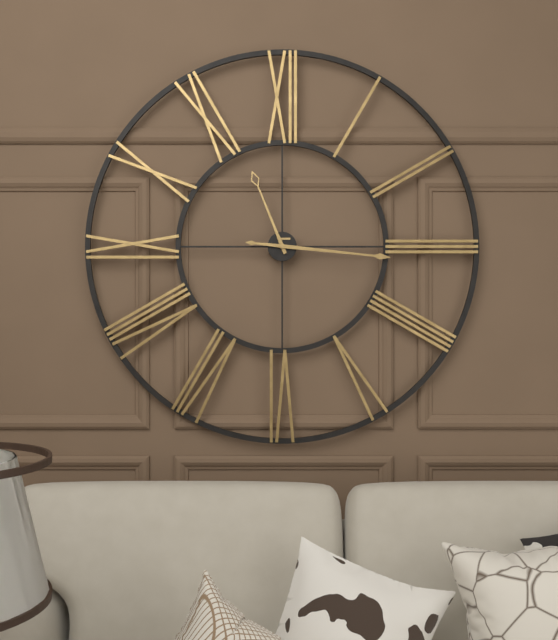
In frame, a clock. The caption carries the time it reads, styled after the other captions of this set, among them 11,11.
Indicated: 11,16
